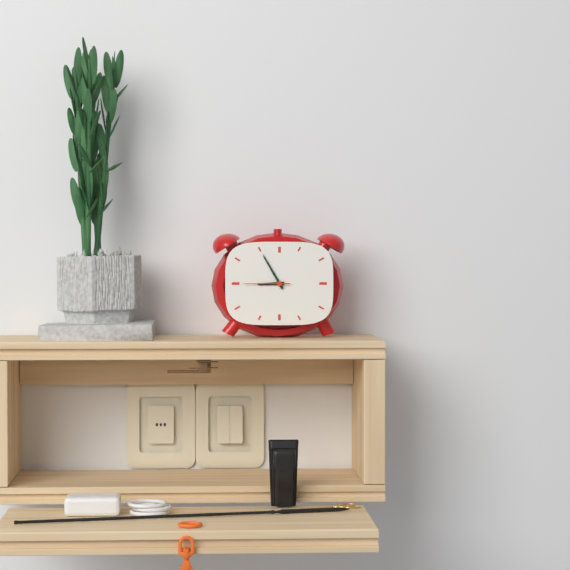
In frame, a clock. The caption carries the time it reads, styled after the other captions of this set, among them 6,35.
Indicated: 8,55
